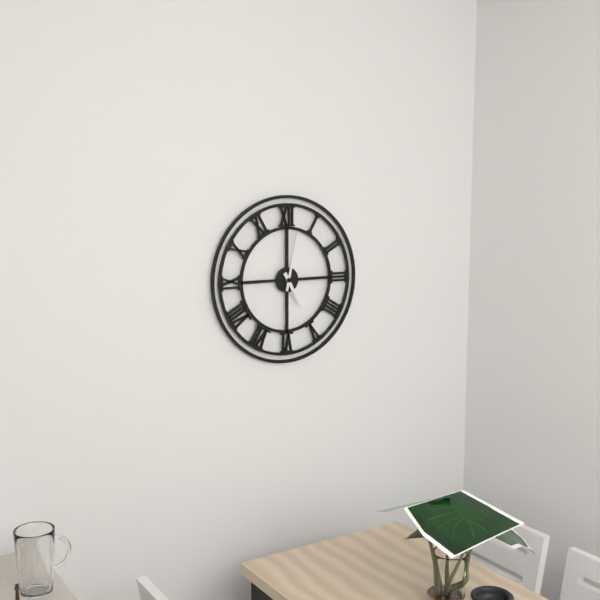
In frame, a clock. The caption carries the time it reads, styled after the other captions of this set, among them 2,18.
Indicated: 5,02
